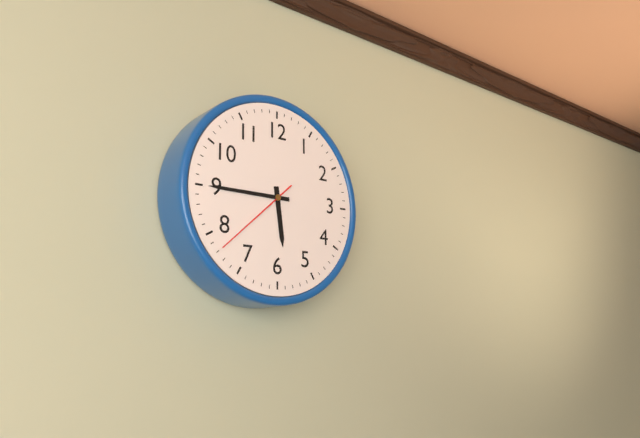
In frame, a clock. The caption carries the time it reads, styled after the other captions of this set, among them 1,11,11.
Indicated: 5,45,38
